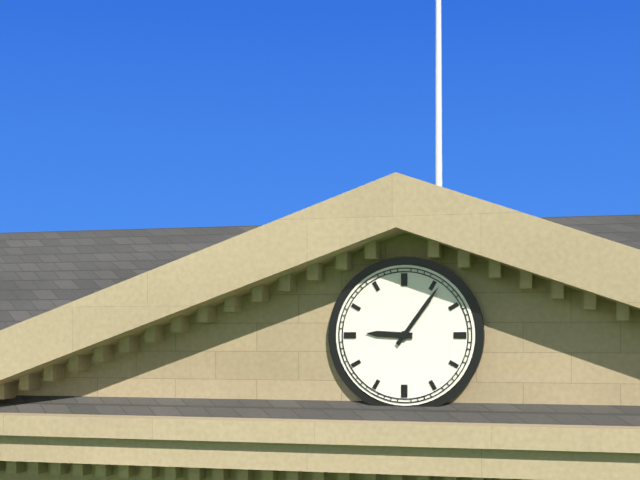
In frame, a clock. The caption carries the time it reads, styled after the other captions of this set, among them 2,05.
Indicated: 9,06
